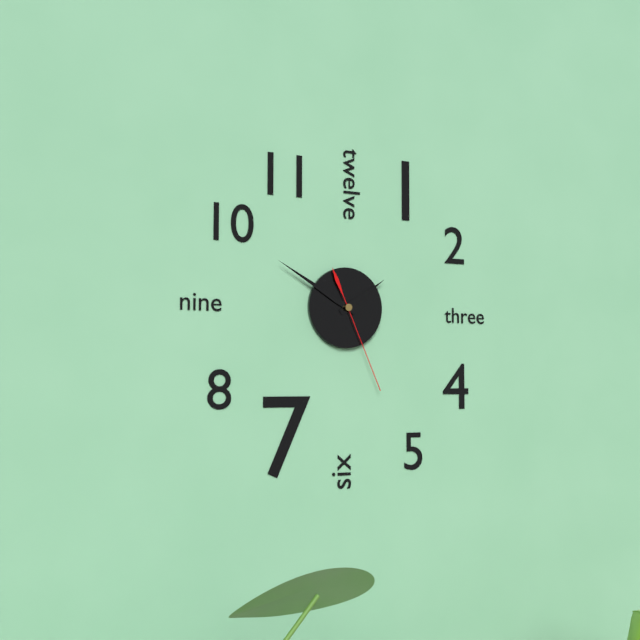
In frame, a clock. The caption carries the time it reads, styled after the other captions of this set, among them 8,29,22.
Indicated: 1,50,26
